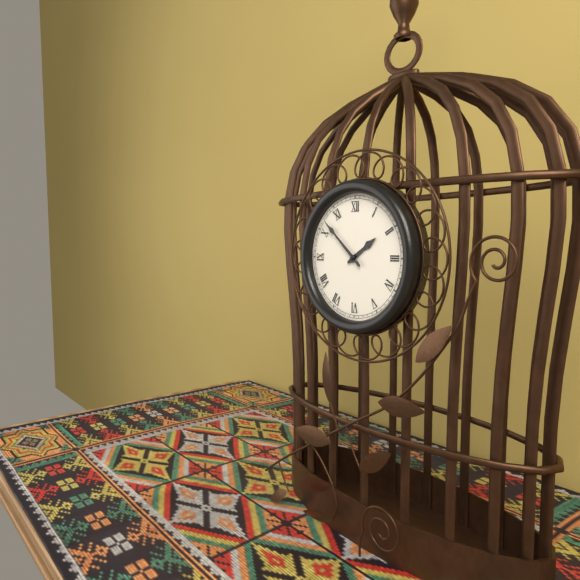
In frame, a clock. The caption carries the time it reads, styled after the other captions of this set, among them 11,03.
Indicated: 1,52
